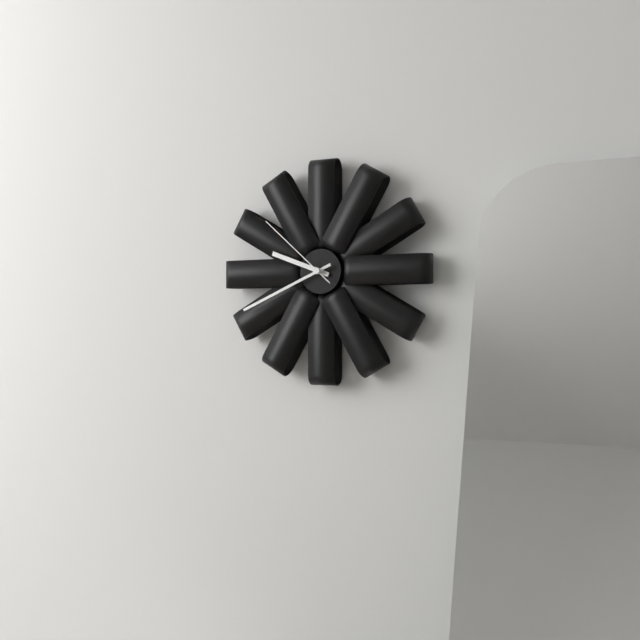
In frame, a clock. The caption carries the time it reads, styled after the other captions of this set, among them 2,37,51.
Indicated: 9,41,52
